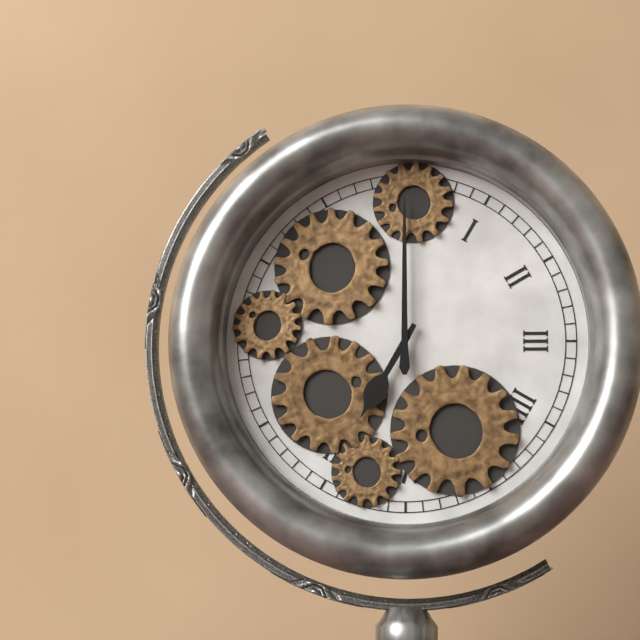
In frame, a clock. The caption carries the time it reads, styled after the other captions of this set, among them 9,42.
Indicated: 7,00
